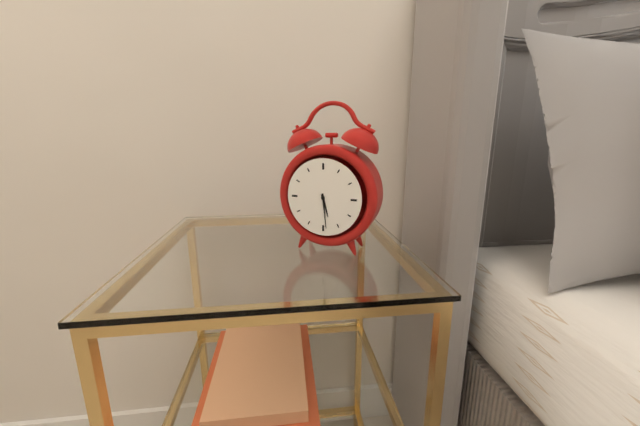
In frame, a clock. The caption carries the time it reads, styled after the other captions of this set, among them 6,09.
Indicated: 5,29
